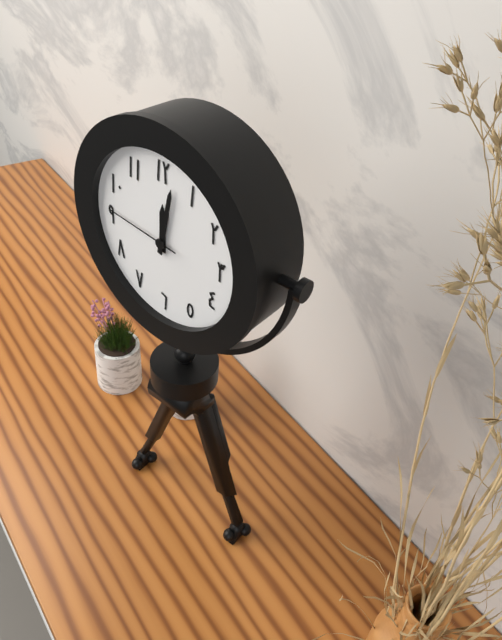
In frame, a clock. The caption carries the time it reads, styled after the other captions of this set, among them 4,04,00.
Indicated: 12,02,46
